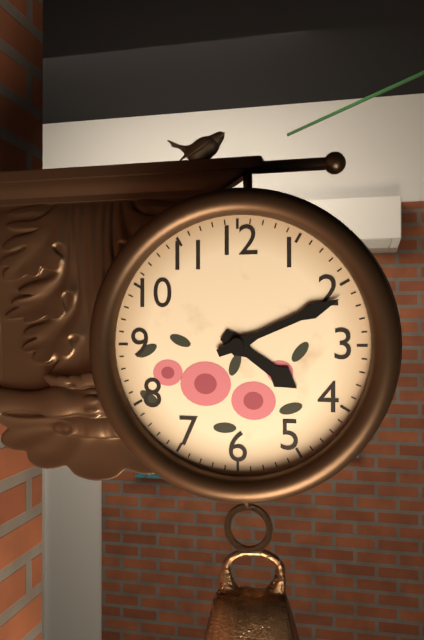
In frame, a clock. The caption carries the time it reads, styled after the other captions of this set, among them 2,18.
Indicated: 4,11
